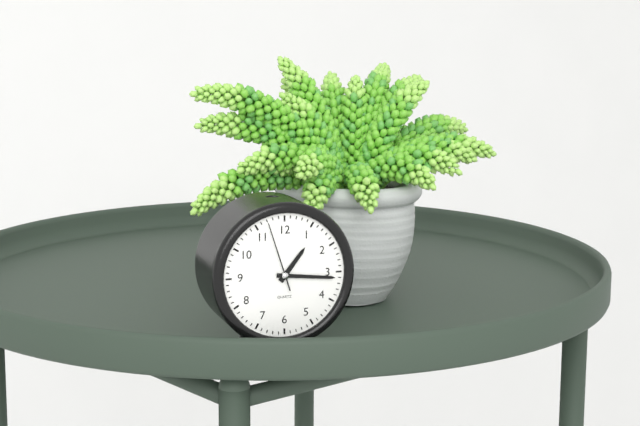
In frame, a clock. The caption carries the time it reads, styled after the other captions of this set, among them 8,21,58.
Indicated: 1,16,57
